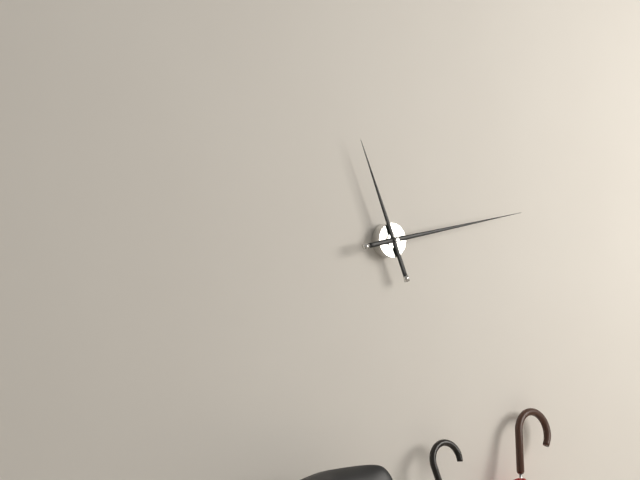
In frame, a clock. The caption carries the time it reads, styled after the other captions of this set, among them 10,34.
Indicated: 11,13
